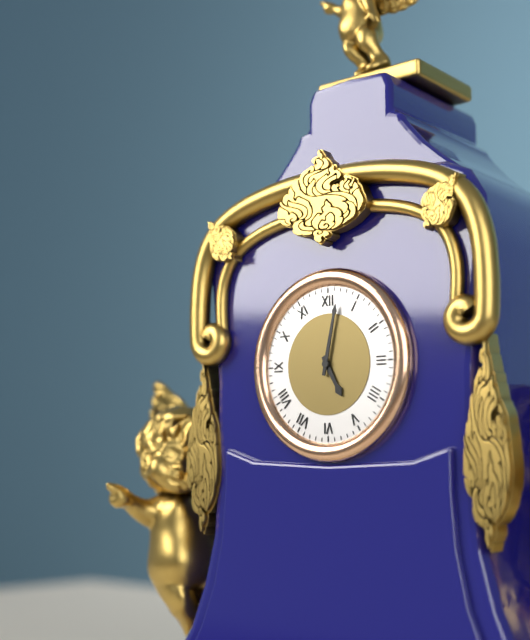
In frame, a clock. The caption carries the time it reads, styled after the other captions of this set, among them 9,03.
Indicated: 5,02
